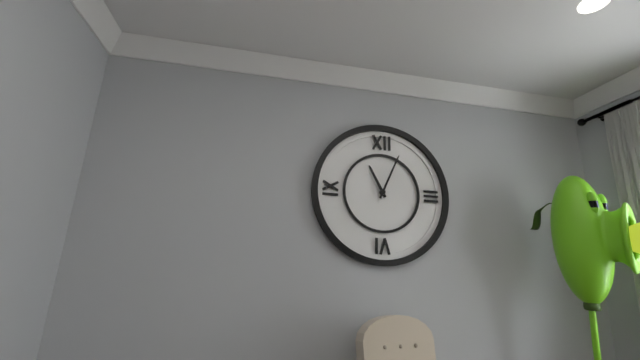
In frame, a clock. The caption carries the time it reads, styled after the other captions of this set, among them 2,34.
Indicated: 11,04
